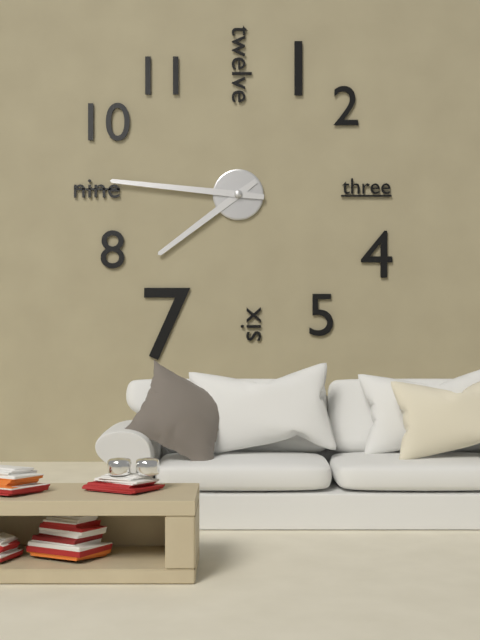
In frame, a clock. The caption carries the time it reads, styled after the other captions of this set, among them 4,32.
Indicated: 7,46
